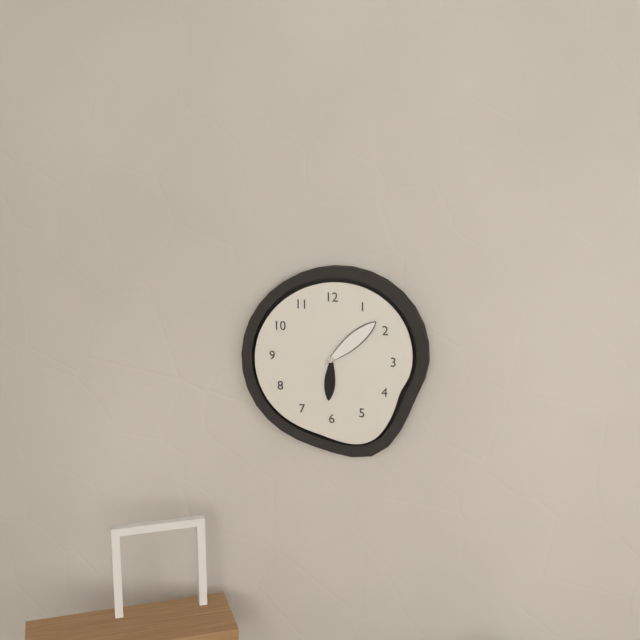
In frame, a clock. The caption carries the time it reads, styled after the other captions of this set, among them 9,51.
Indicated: 6,08
